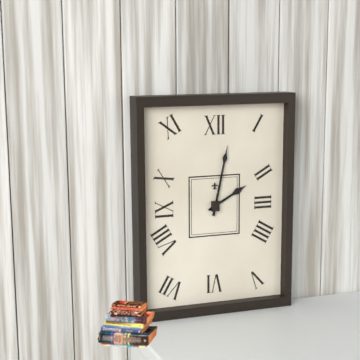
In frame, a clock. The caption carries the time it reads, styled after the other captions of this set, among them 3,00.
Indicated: 2,02
